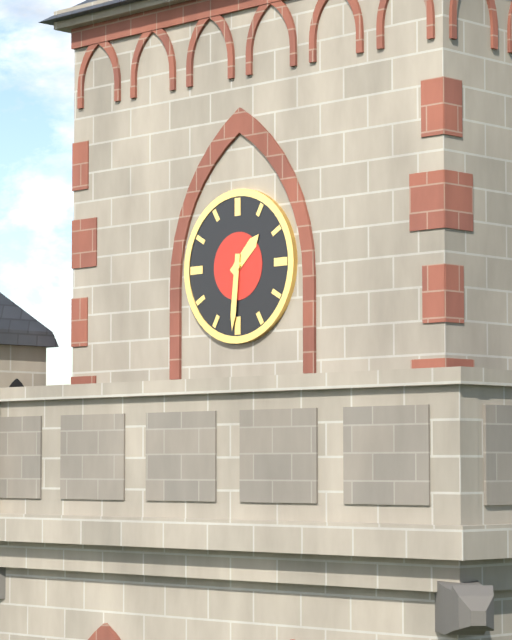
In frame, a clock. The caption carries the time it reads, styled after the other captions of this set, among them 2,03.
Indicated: 1,31
